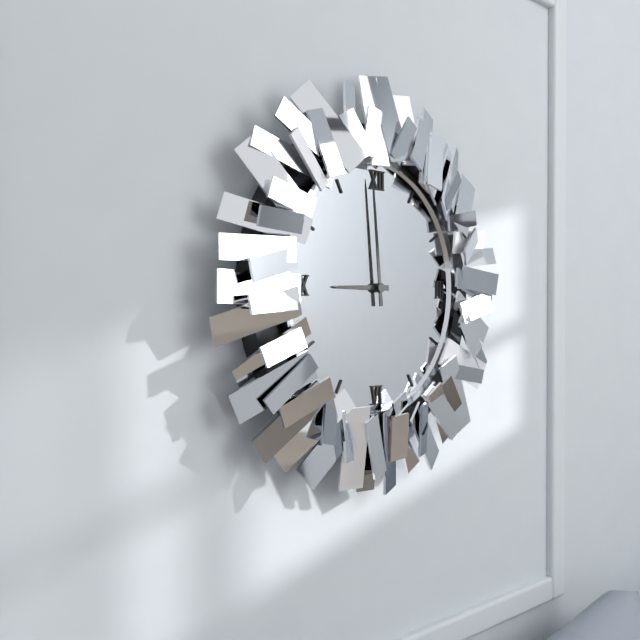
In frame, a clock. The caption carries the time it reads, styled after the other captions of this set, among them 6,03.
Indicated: 8,59
